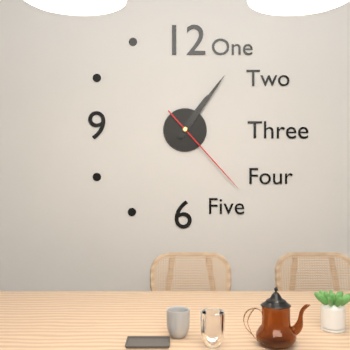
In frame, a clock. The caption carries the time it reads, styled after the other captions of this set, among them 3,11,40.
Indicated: 1,06,23
